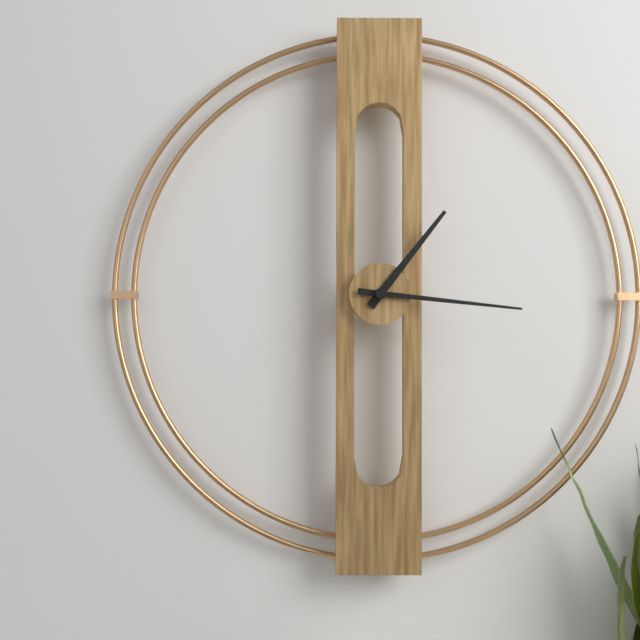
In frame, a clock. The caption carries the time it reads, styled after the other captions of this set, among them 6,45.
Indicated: 1,16
